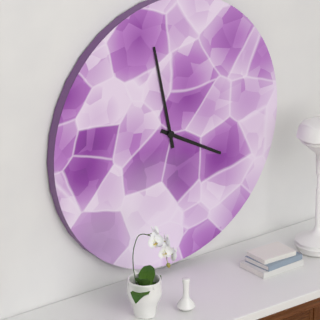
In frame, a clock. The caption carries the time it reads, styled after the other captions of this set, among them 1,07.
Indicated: 3,58
